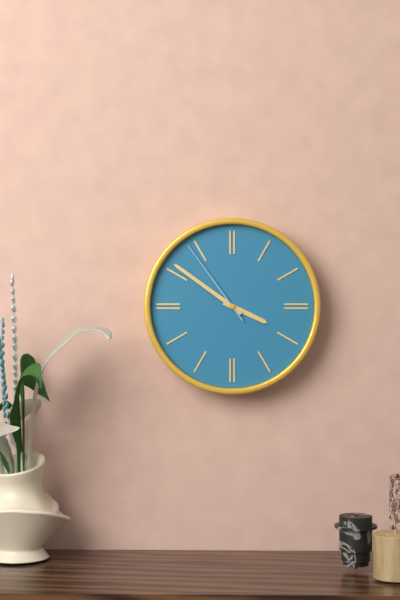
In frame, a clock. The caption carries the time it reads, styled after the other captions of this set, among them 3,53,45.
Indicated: 3,51,54
